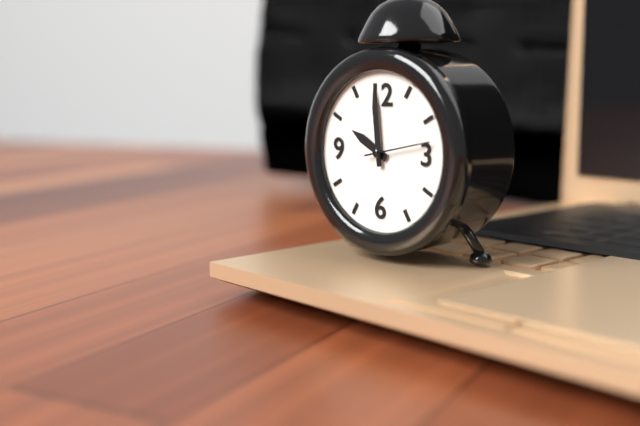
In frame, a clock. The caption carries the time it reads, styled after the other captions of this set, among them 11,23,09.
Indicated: 9,59,13
